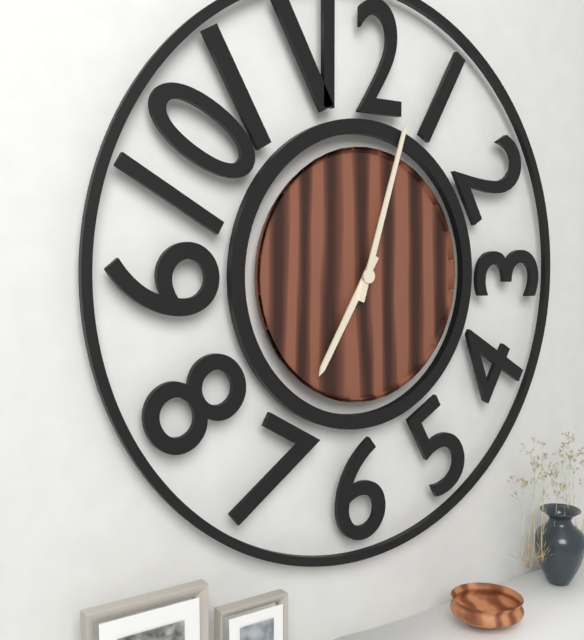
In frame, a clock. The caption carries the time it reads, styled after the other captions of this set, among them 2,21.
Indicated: 7,03
